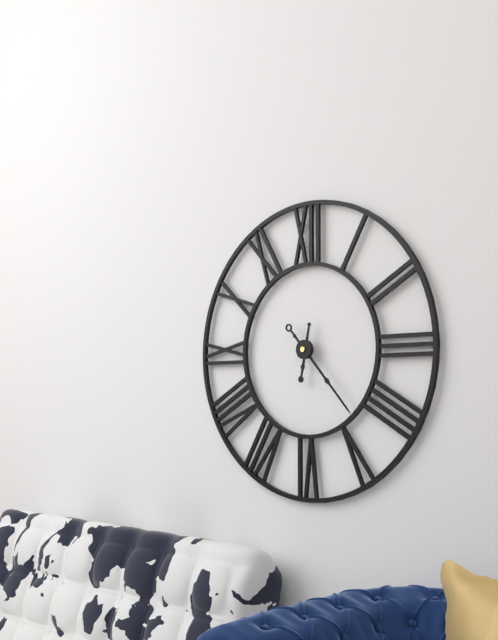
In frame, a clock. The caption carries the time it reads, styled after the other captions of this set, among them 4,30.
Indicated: 6,23
